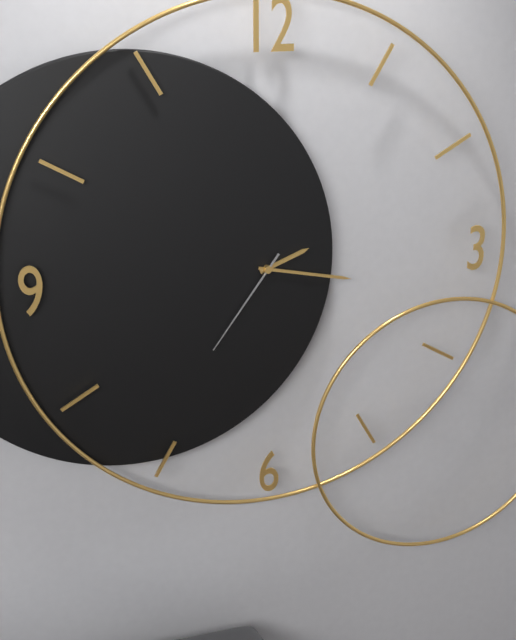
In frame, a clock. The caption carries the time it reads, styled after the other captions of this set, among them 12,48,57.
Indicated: 2,17,36
